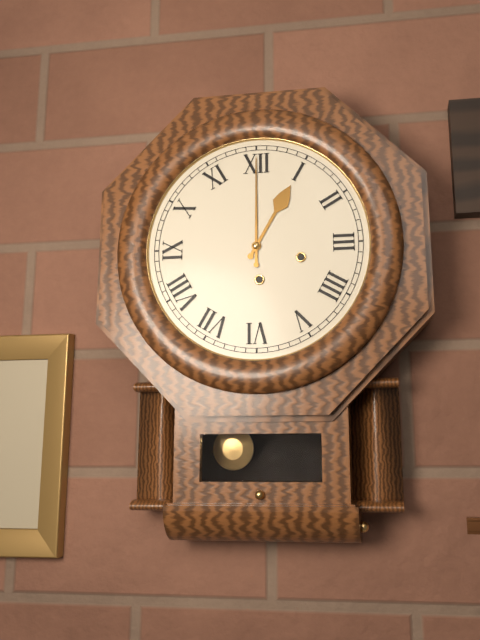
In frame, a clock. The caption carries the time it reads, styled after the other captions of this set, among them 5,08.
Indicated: 1,00
